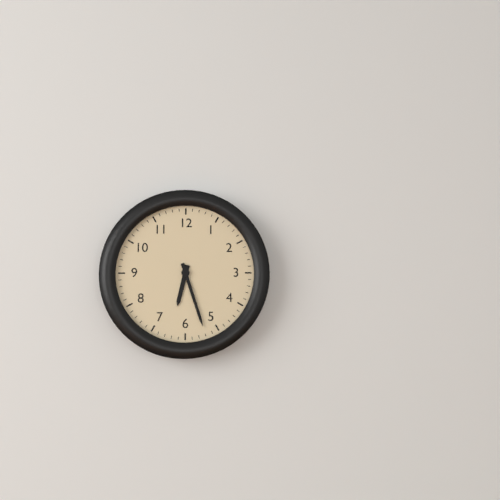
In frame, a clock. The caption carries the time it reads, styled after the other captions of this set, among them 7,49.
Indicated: 6,27
